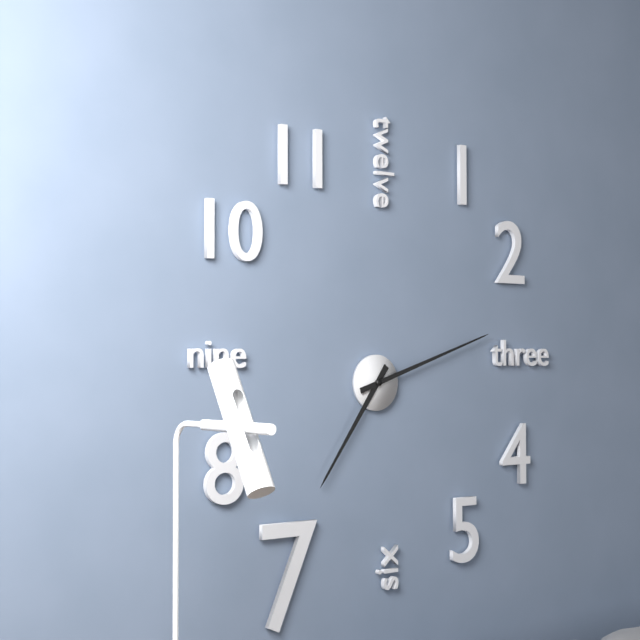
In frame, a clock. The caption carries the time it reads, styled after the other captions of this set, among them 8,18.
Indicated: 7,12
